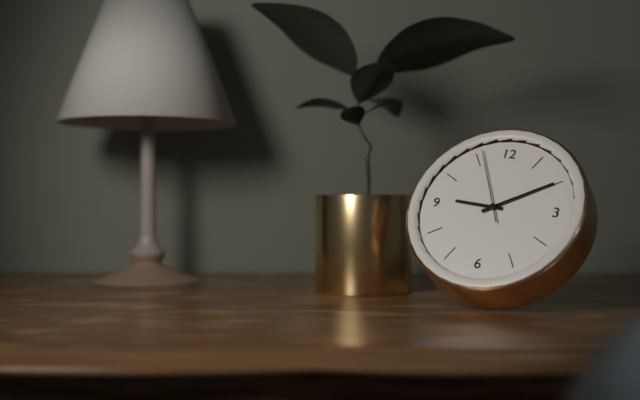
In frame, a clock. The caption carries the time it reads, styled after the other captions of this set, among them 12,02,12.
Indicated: 9,10,56
